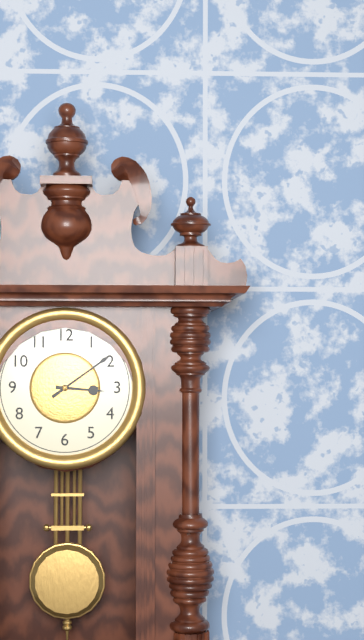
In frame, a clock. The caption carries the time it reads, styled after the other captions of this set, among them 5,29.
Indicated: 3,09
